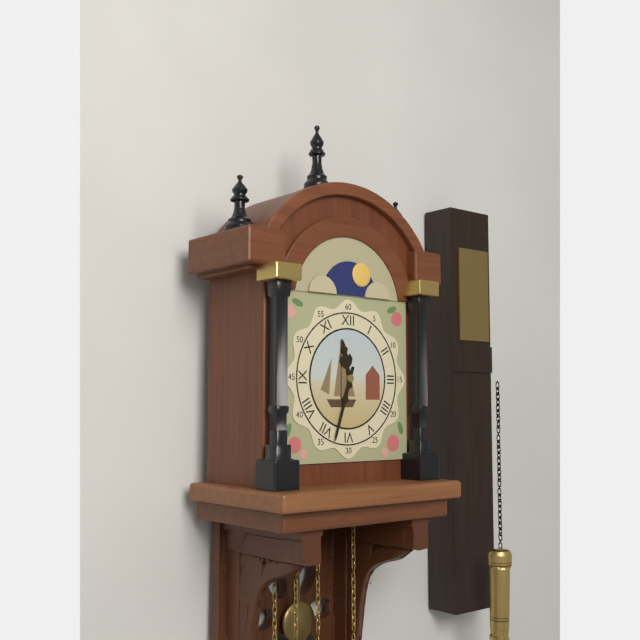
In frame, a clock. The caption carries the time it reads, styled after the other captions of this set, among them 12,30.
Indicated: 11,33
